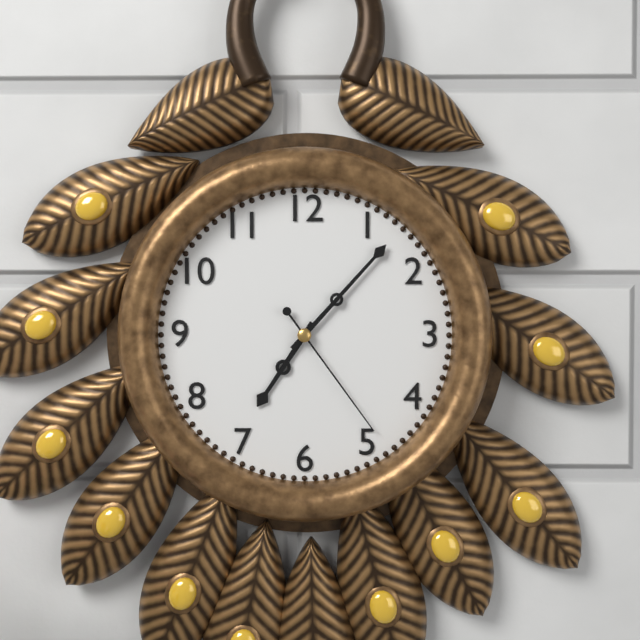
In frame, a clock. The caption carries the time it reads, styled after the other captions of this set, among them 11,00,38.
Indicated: 7,07,24
